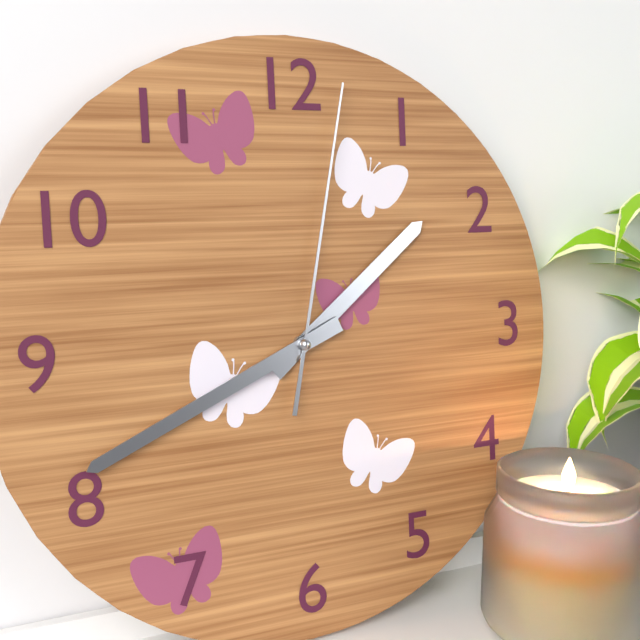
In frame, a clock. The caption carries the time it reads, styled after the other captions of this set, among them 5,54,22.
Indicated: 1,41,02
